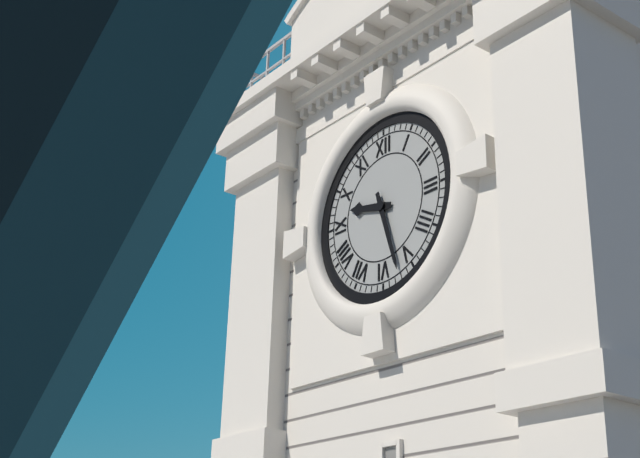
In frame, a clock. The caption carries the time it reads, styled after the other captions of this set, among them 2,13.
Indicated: 9,27
